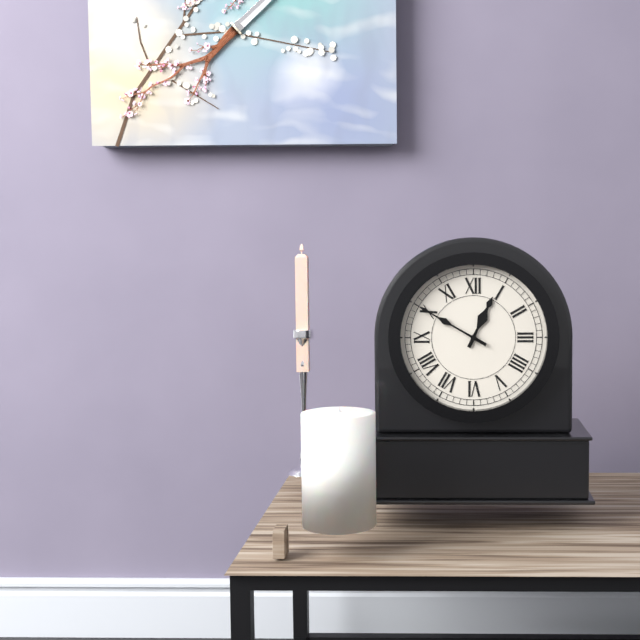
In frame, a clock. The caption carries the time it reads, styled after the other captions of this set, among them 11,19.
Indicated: 12,50
